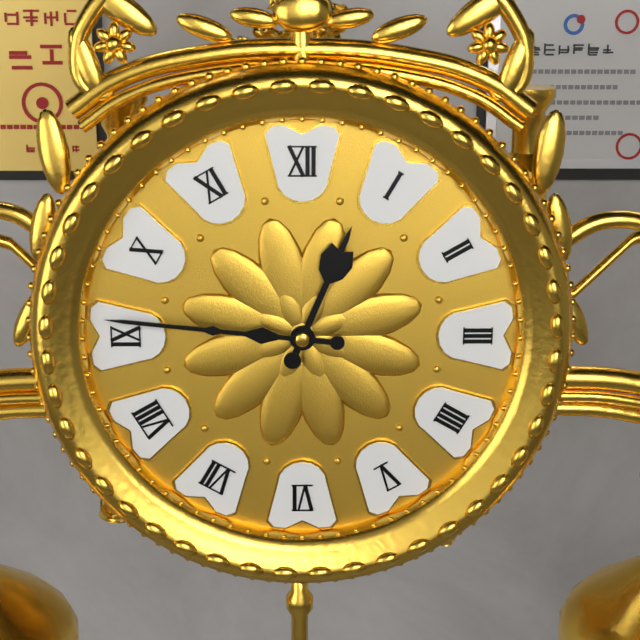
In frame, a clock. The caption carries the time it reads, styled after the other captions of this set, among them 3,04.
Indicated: 12,46
